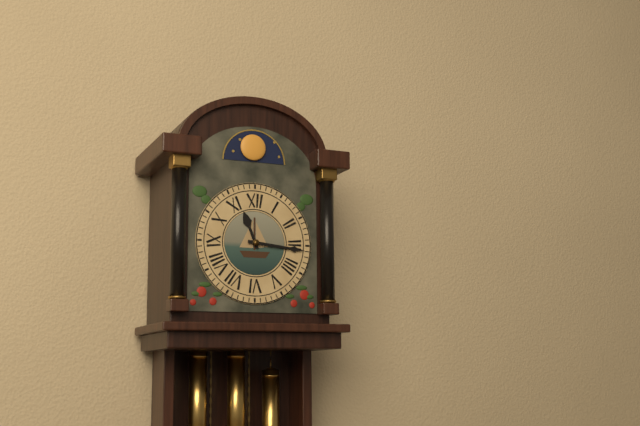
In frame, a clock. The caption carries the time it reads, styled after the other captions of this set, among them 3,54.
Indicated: 11,16
